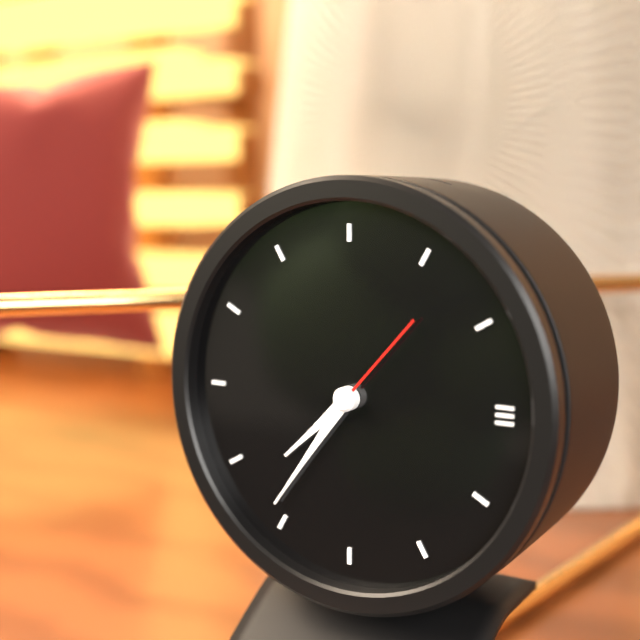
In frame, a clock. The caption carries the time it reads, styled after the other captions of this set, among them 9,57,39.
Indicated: 7,36,07
